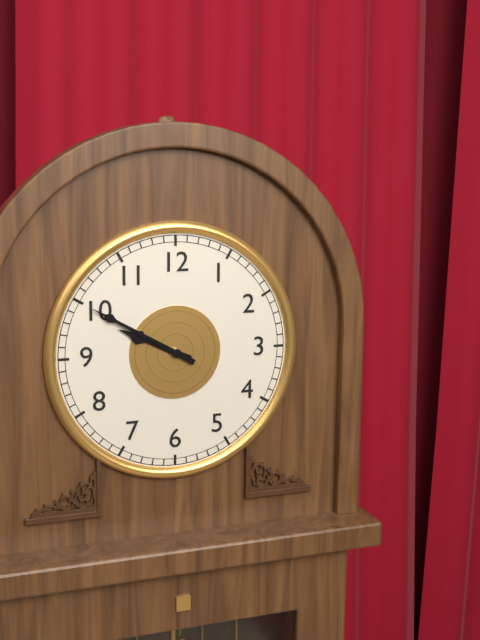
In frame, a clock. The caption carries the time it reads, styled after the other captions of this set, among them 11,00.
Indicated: 9,50
